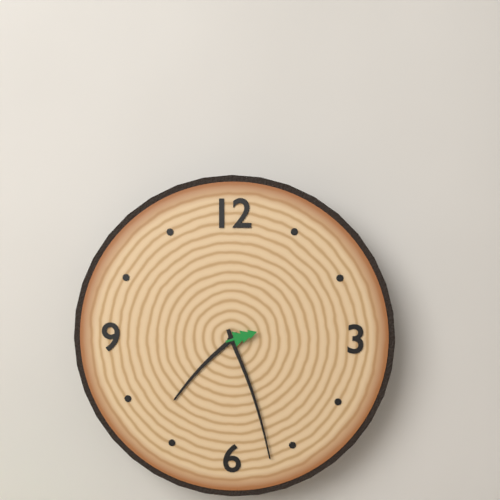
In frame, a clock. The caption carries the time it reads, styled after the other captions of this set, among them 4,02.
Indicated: 7,27
